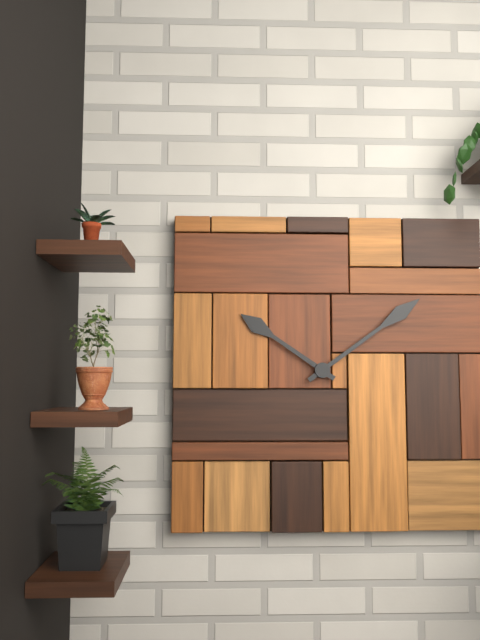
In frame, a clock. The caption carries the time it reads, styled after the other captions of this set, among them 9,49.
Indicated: 10,09
